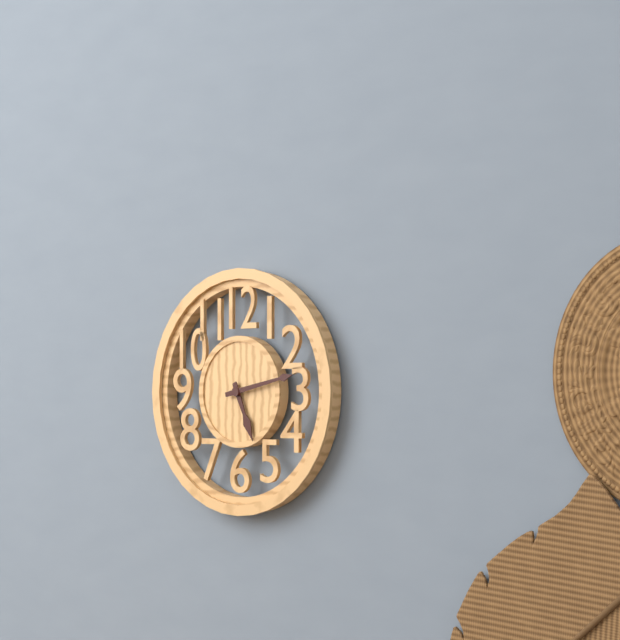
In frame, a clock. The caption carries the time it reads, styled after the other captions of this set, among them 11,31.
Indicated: 5,13
